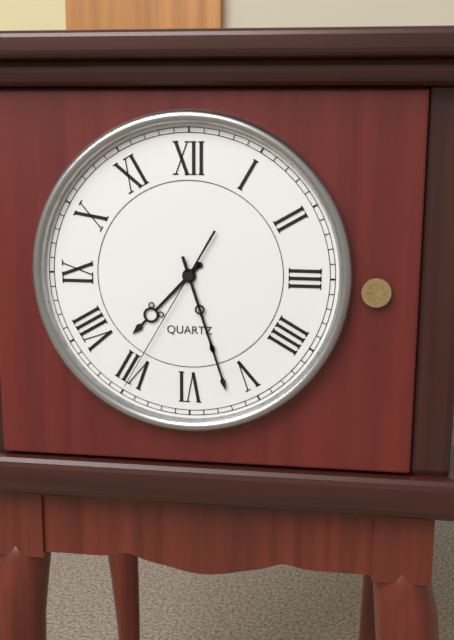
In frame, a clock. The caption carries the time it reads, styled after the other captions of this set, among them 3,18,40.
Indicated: 7,27,35
